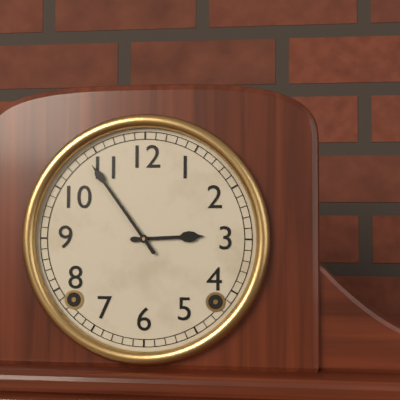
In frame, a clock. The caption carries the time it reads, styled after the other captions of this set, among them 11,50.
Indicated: 2,54
